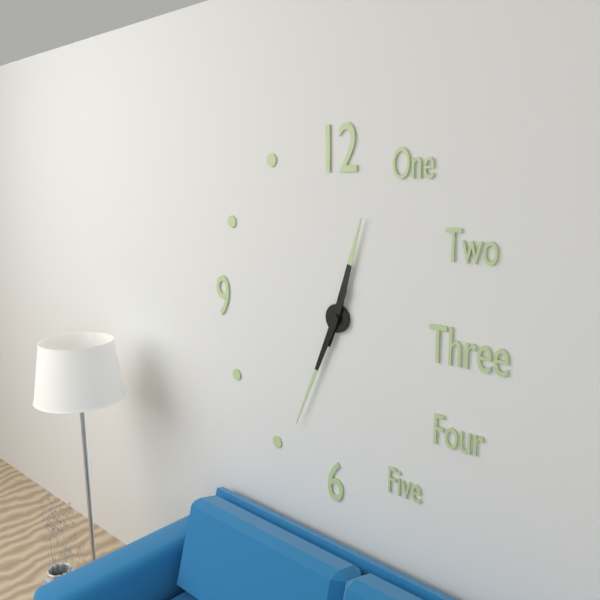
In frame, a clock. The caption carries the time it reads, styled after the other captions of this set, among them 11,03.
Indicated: 12,34
